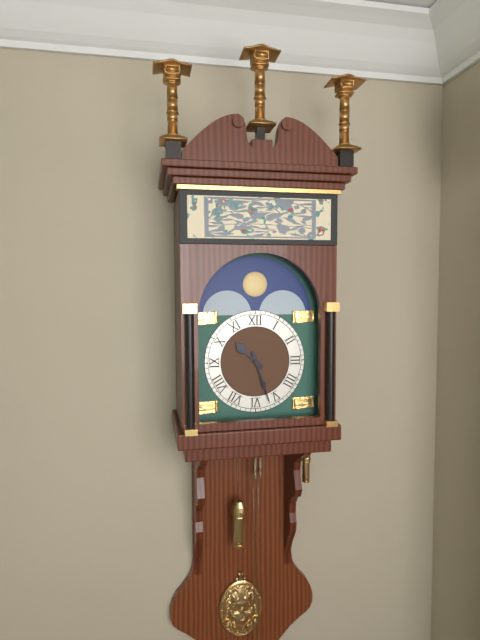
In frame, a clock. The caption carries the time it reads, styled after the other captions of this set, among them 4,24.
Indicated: 10,27
